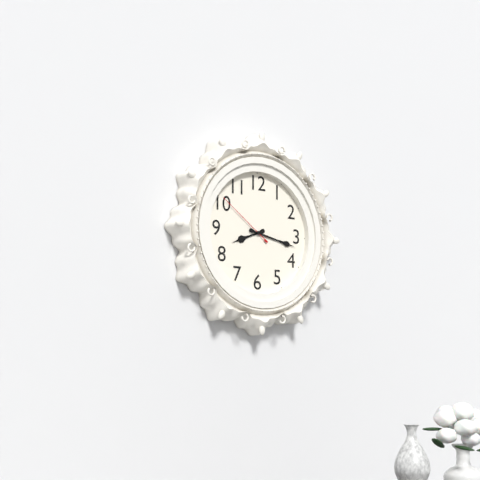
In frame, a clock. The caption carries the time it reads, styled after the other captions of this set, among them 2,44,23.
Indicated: 8,17,51
